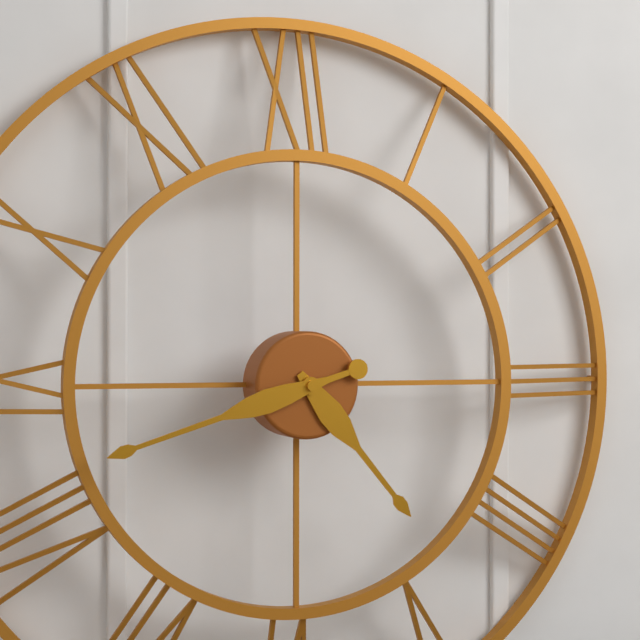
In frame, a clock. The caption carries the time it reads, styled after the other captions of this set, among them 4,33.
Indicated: 4,42
